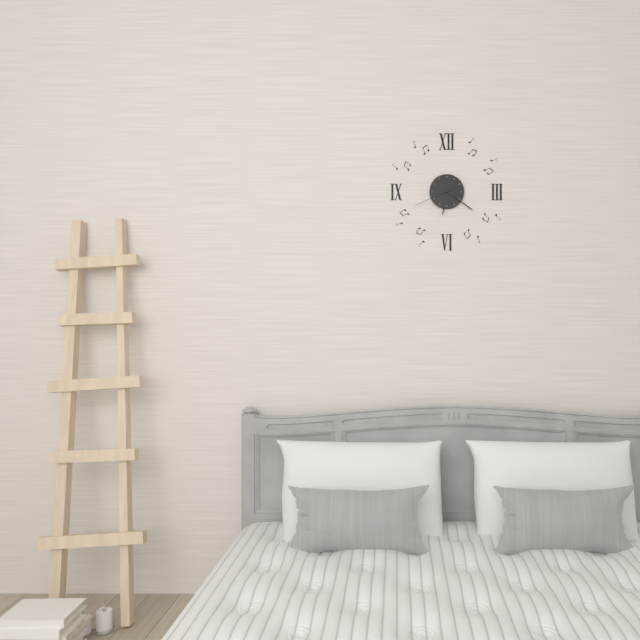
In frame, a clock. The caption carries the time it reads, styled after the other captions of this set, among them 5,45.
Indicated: 6,21
